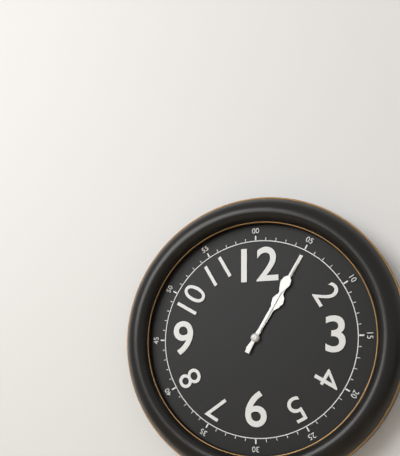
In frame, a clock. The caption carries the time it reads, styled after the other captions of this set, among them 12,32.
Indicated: 1,05
